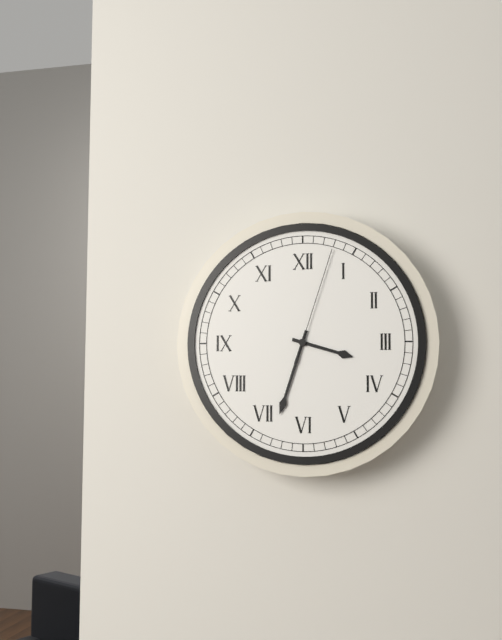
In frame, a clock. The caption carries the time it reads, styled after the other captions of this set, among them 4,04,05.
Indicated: 3,33,03
